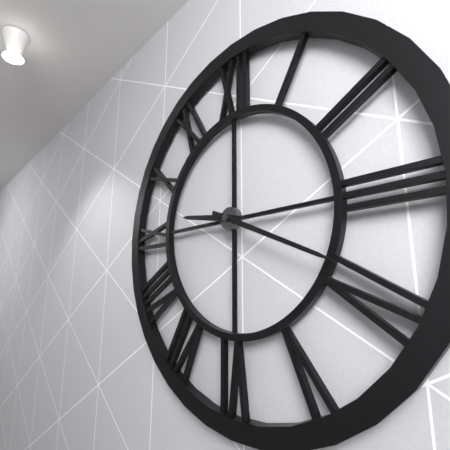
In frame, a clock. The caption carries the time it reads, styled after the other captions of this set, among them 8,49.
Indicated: 9,19
